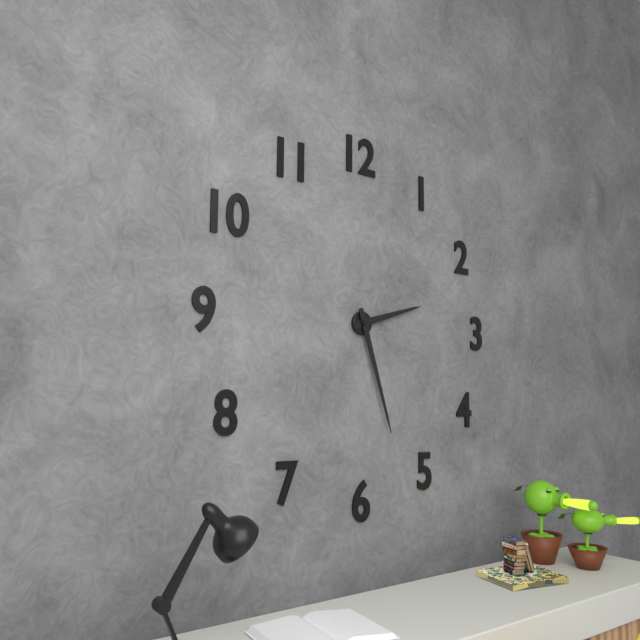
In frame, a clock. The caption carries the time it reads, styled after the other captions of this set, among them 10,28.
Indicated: 2,27
